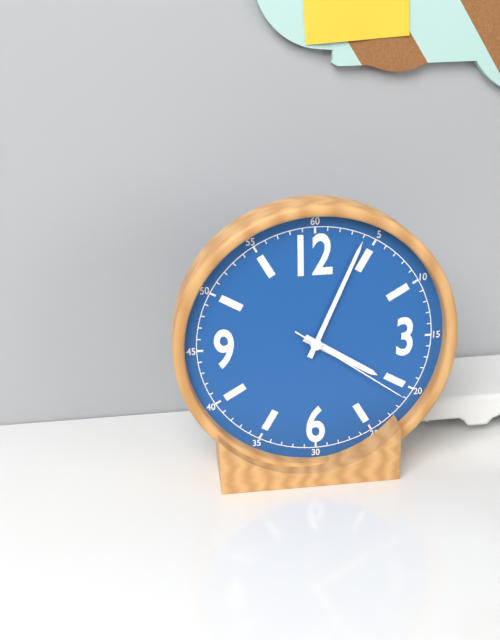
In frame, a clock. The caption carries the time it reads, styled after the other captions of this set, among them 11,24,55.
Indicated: 4,04,21
